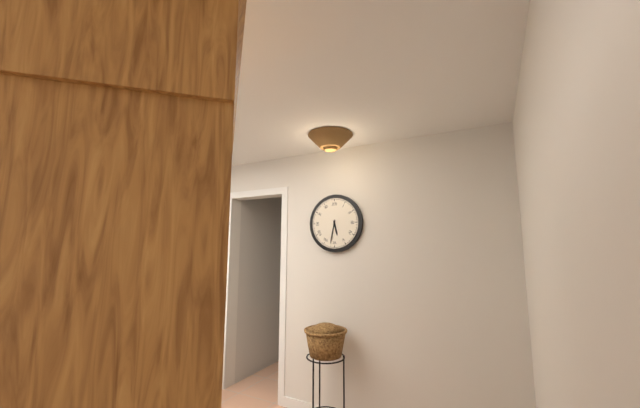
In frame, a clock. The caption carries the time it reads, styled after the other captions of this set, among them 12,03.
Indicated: 5,32
